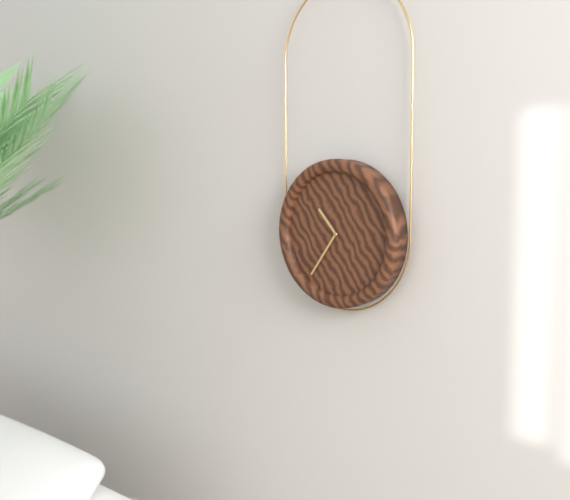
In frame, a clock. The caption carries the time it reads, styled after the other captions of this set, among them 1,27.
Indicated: 10,36
